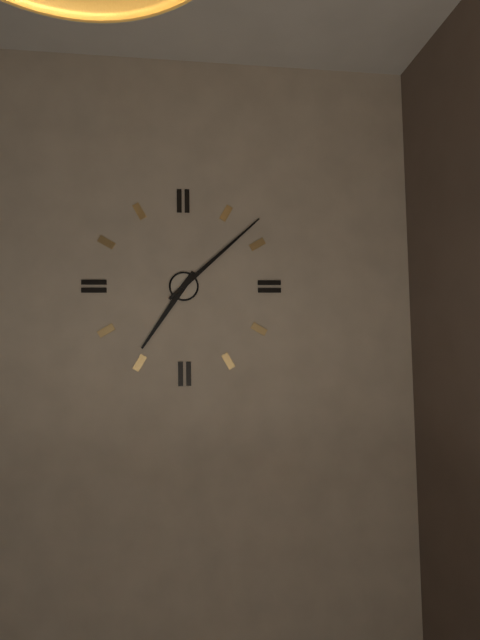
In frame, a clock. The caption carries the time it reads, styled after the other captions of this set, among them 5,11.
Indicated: 7,08
